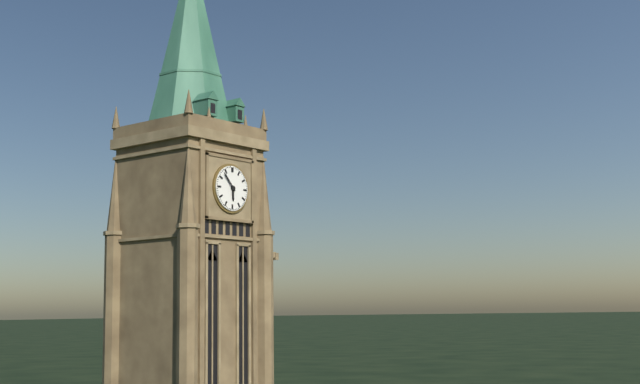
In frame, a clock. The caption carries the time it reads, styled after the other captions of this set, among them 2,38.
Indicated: 5,53
